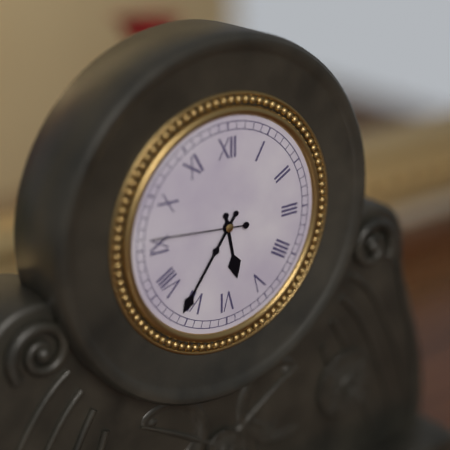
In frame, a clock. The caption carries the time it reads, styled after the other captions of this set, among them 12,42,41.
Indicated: 5,36,46
